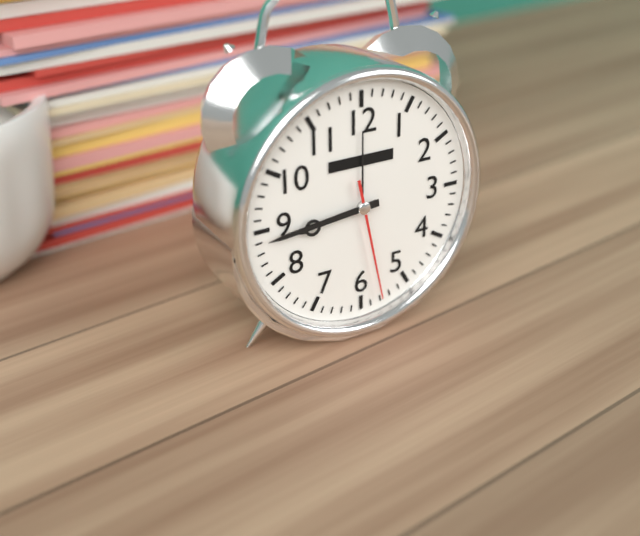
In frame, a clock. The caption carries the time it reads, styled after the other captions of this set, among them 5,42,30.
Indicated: 8,44,28
